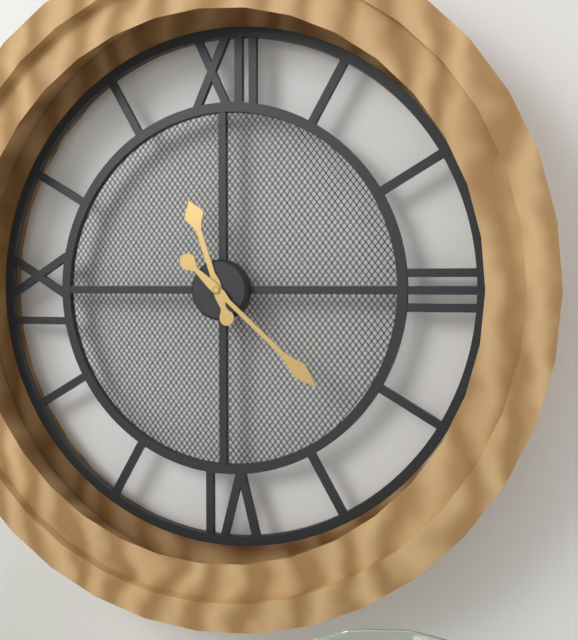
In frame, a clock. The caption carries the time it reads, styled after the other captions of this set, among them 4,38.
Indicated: 11,22
